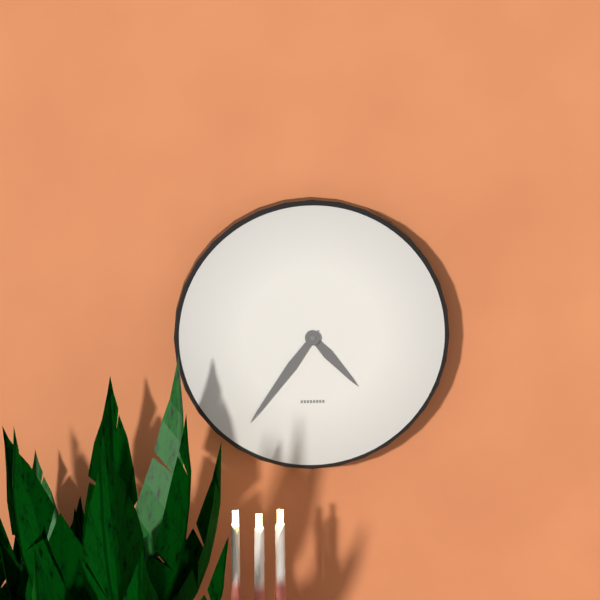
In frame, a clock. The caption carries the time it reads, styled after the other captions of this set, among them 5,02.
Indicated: 4,36
